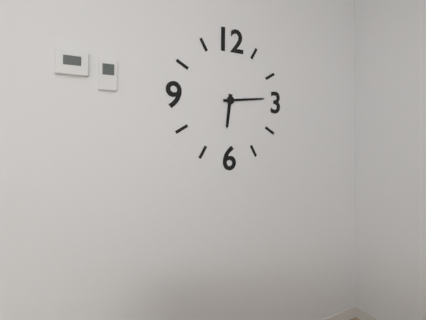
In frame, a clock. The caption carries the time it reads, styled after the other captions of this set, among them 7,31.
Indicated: 6,14
